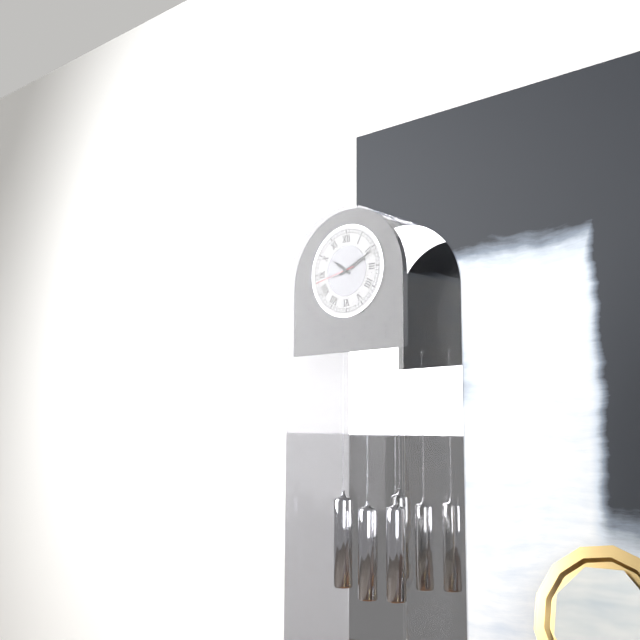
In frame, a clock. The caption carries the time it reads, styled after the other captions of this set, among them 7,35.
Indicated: 10,11
